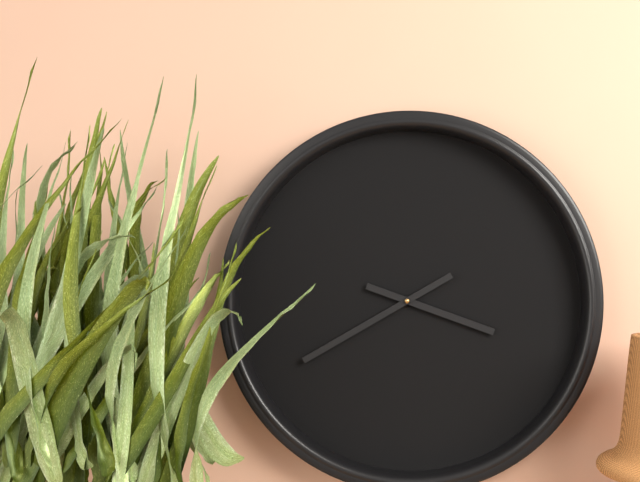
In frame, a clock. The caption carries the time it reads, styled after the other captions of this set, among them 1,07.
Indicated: 3,40
